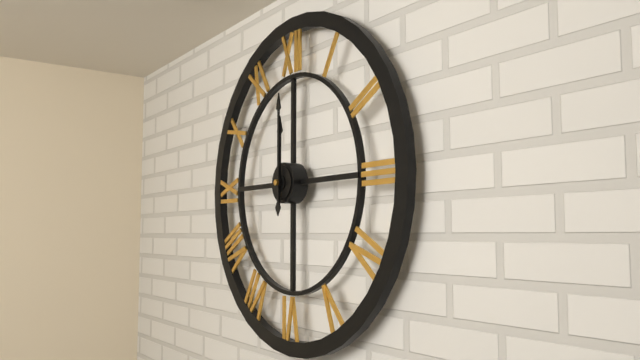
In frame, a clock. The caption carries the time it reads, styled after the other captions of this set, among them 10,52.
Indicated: 12,00
